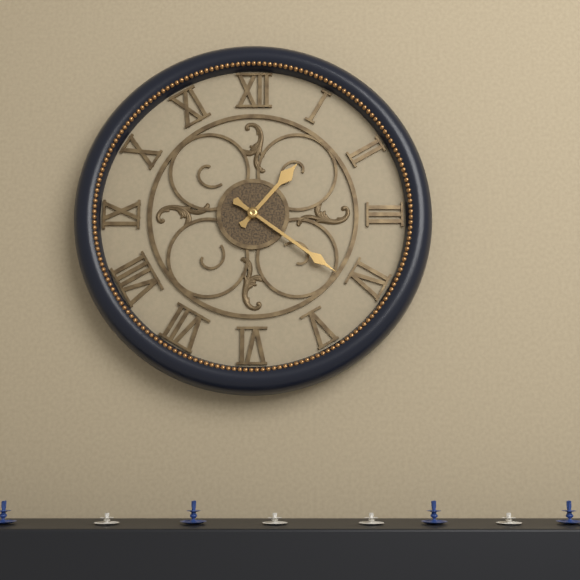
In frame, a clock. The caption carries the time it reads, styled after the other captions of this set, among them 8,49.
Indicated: 1,21
